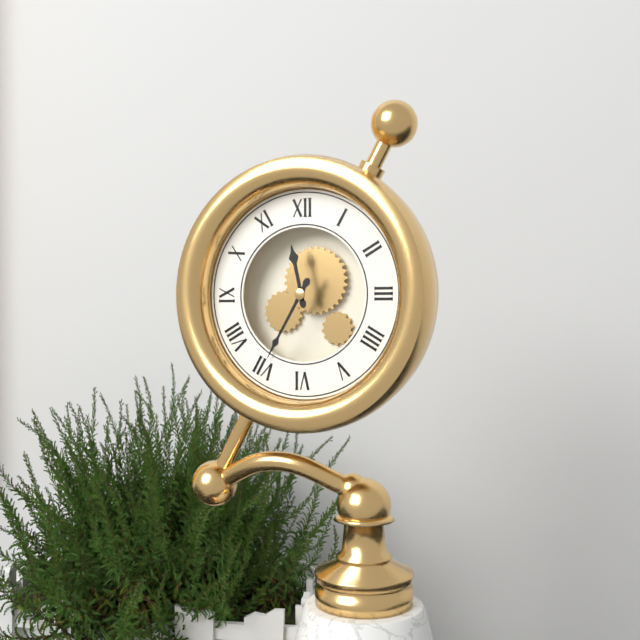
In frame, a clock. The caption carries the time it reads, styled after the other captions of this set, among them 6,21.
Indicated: 11,35
